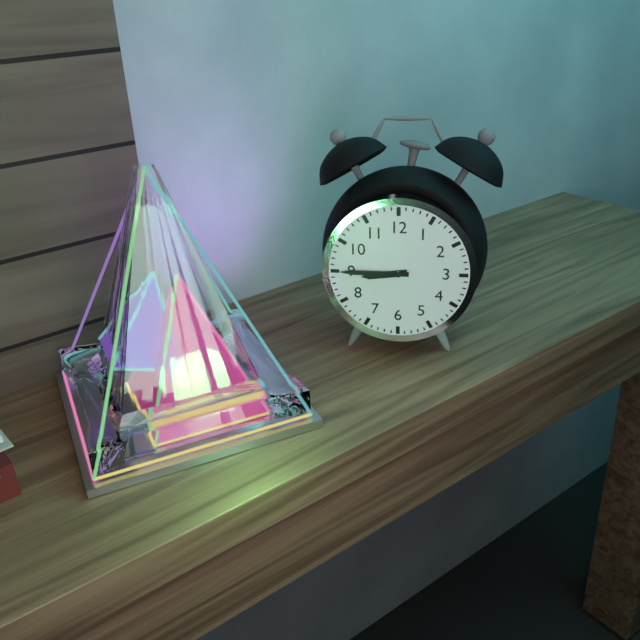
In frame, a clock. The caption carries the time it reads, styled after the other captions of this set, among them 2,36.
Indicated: 8,45
